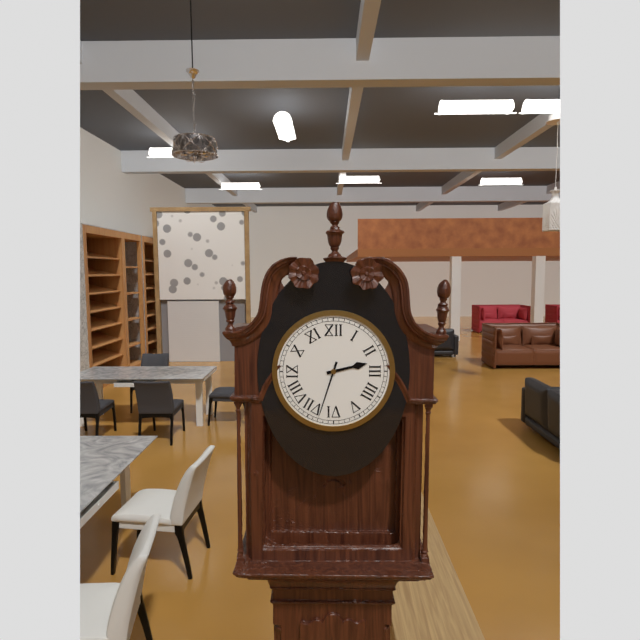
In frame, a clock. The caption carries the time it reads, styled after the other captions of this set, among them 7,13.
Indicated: 2,33
